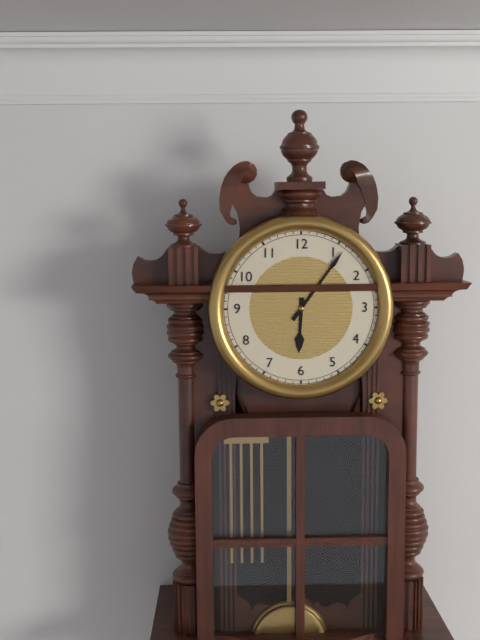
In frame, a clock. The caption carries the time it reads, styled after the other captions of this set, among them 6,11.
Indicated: 6,06
